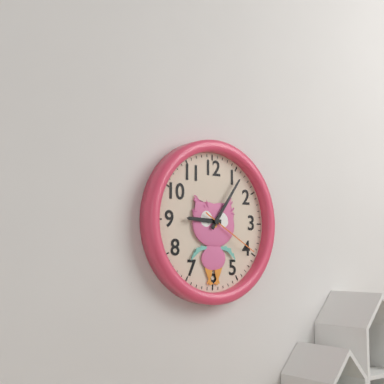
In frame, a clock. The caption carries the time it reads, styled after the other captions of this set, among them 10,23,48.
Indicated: 9,06,20
